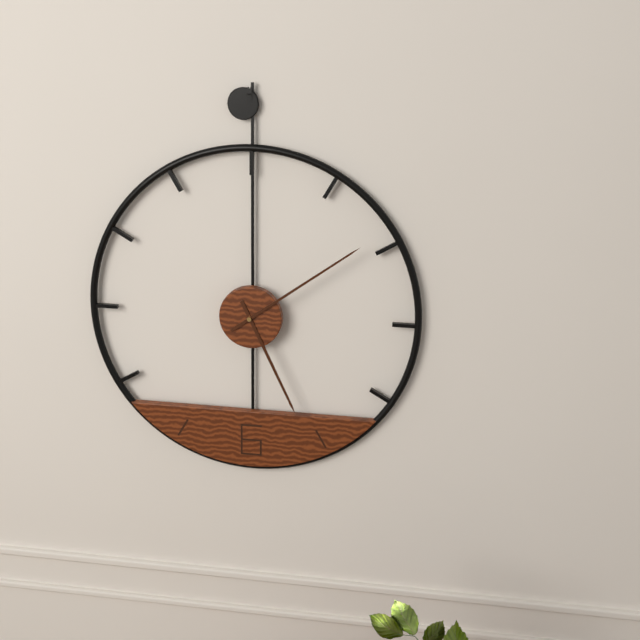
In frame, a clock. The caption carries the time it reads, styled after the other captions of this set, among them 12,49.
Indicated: 5,09
